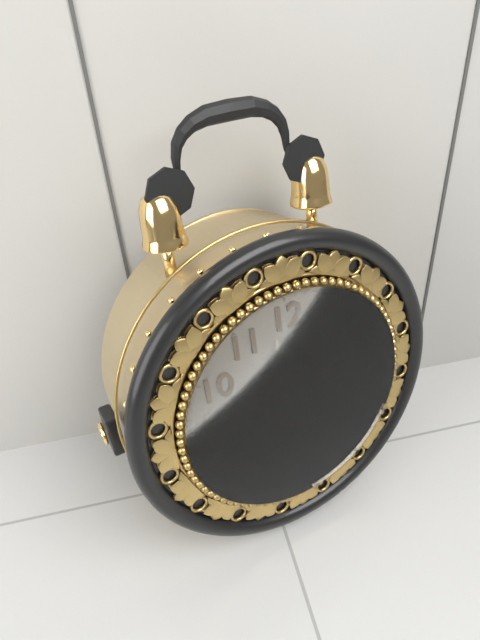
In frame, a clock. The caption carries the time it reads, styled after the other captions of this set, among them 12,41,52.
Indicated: 10,58,09
